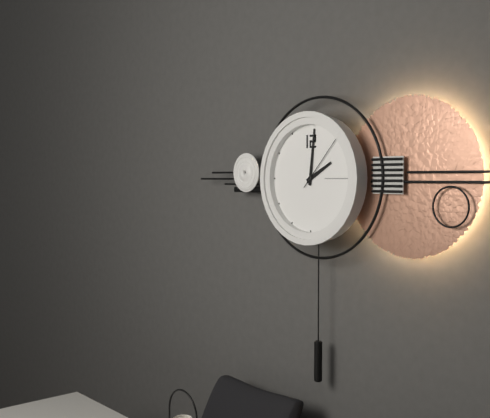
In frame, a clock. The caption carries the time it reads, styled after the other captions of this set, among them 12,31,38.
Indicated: 2,01,07
